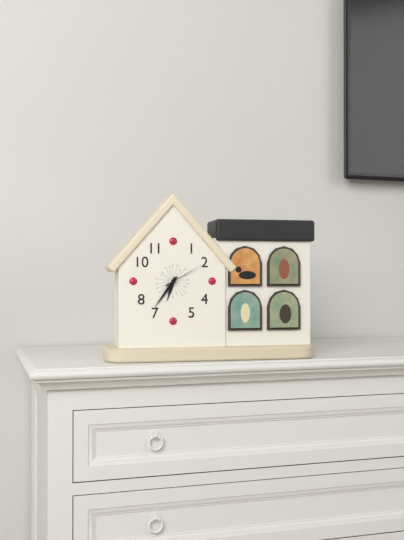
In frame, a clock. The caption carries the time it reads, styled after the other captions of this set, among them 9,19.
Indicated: 6,36
